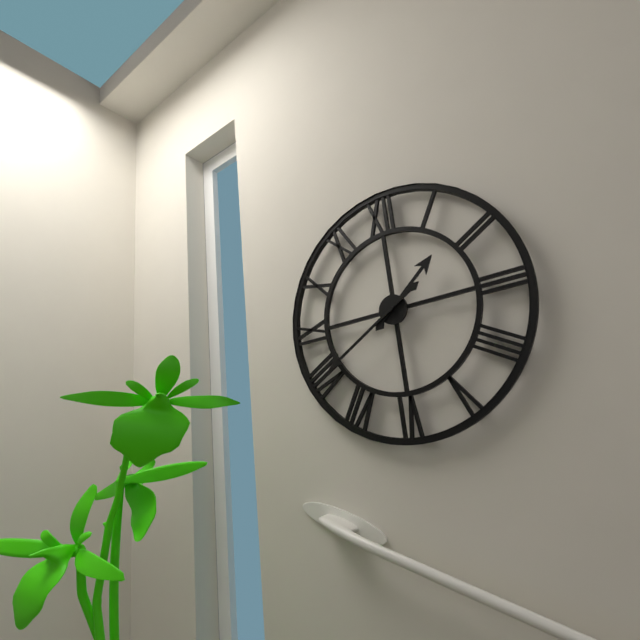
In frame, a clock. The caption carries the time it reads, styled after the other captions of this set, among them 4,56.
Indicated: 1,40
